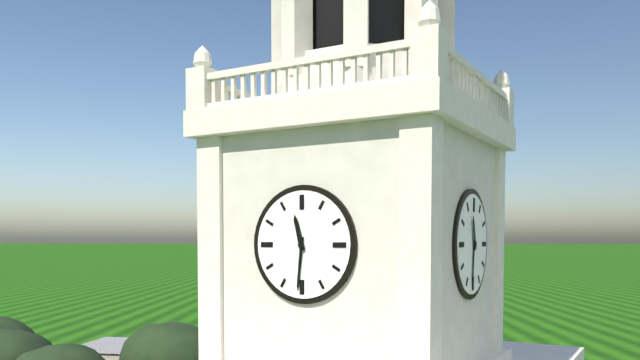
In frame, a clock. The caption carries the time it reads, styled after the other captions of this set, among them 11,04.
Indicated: 11,31
